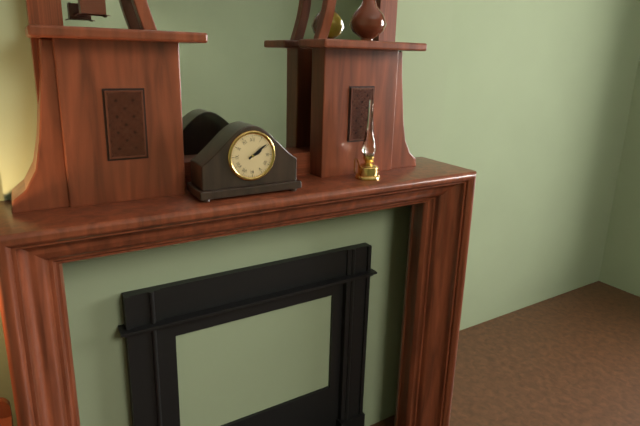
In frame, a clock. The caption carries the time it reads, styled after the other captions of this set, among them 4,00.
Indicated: 2,09
